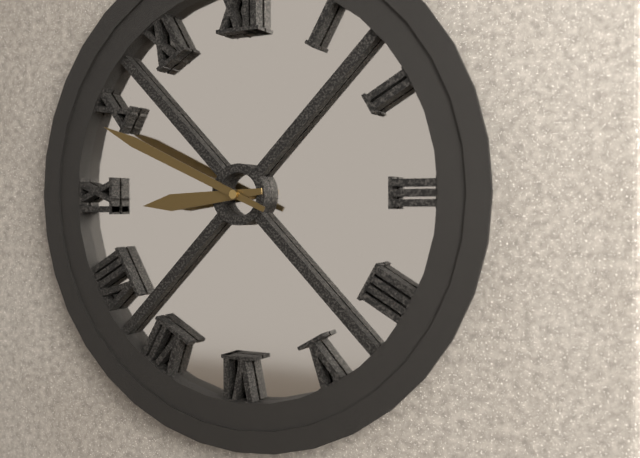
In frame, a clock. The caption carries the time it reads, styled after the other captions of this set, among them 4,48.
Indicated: 8,49
